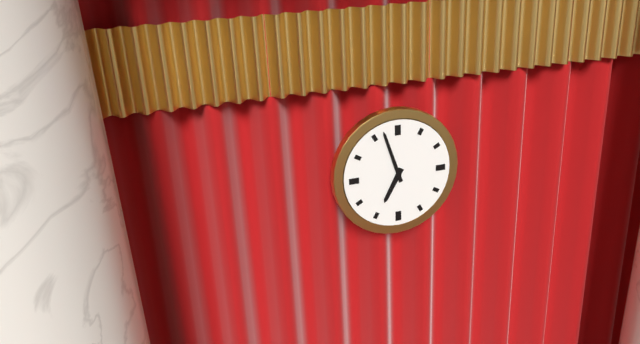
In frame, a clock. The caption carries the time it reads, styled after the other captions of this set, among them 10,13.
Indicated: 6,57
